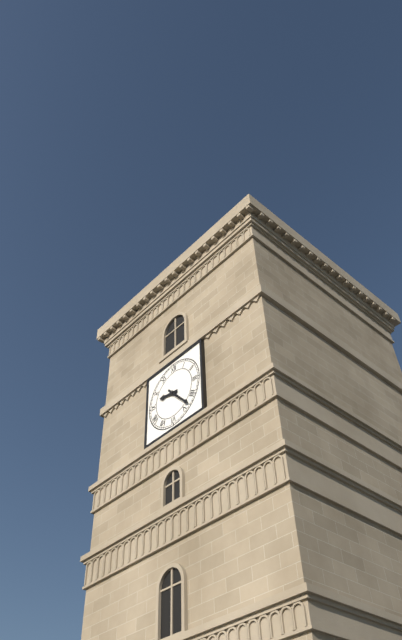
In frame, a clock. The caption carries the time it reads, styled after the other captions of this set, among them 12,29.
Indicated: 9,23
